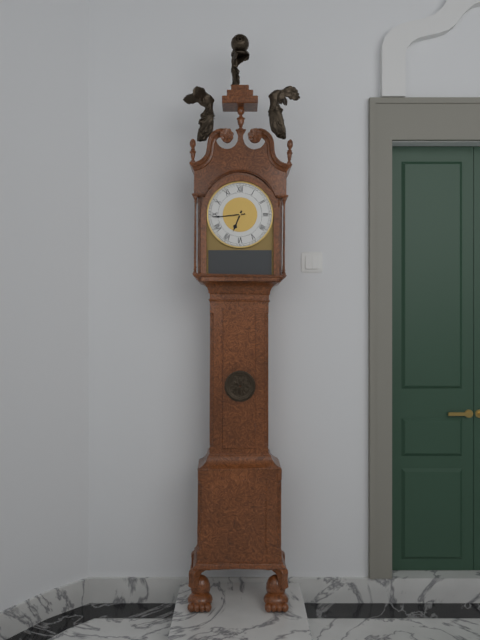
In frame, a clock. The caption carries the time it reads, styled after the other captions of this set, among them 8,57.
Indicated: 6,44
